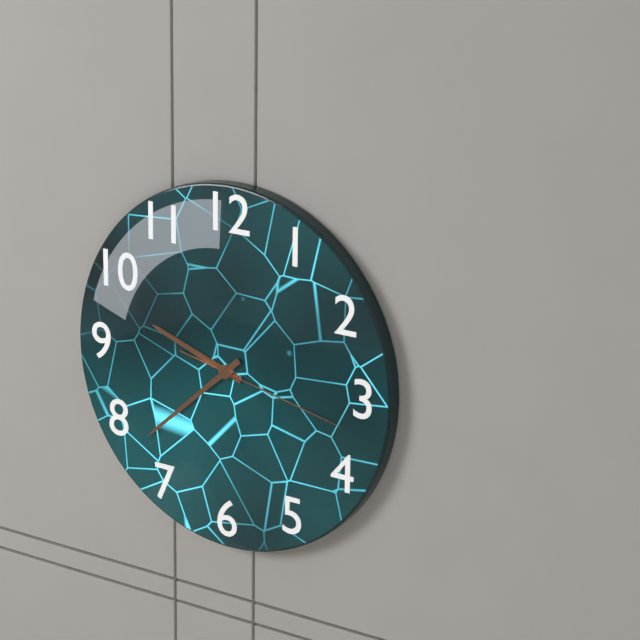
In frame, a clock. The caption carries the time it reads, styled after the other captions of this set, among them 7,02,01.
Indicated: 9,38,17
